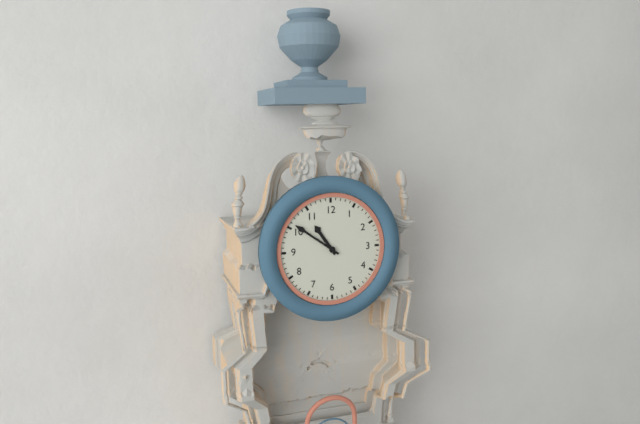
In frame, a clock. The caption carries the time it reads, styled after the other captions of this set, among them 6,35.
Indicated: 10,51
